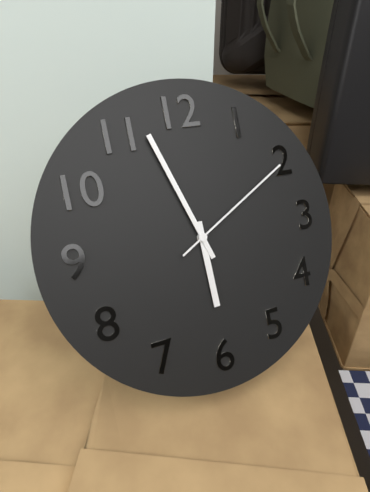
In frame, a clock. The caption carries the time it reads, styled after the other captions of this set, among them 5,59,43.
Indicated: 5,57,10
